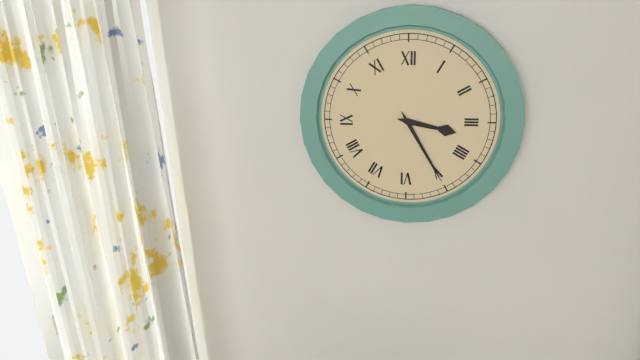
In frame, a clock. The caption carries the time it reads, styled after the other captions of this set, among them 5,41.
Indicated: 3,25
